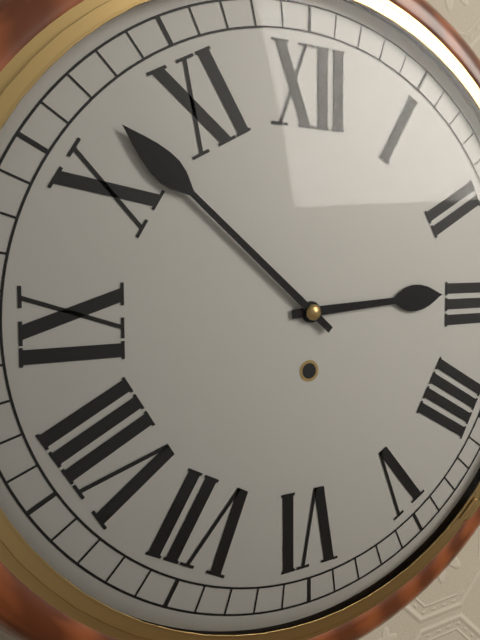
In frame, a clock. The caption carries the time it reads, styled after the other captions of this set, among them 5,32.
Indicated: 2,52
